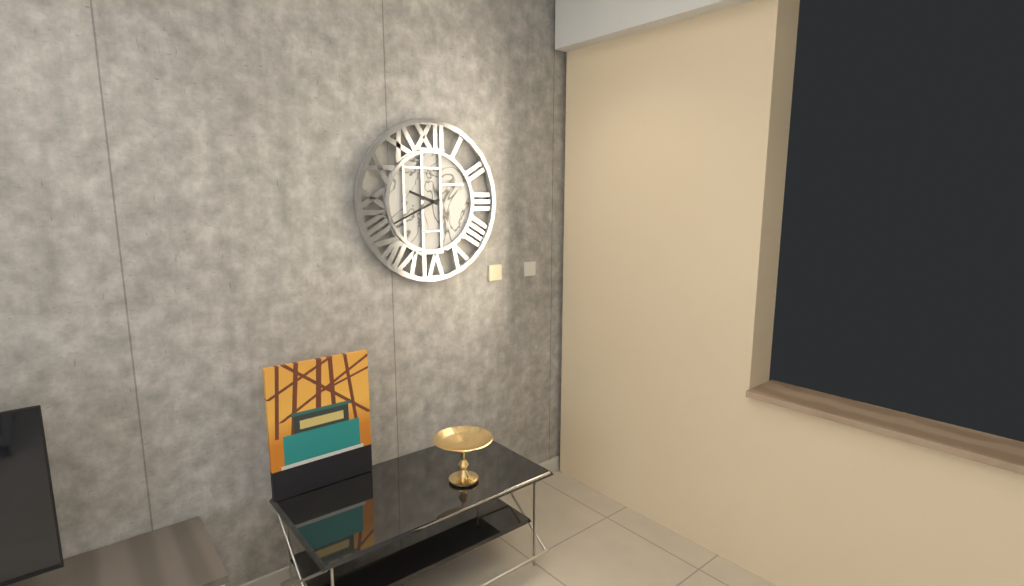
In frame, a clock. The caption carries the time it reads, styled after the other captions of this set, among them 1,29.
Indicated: 9,41
